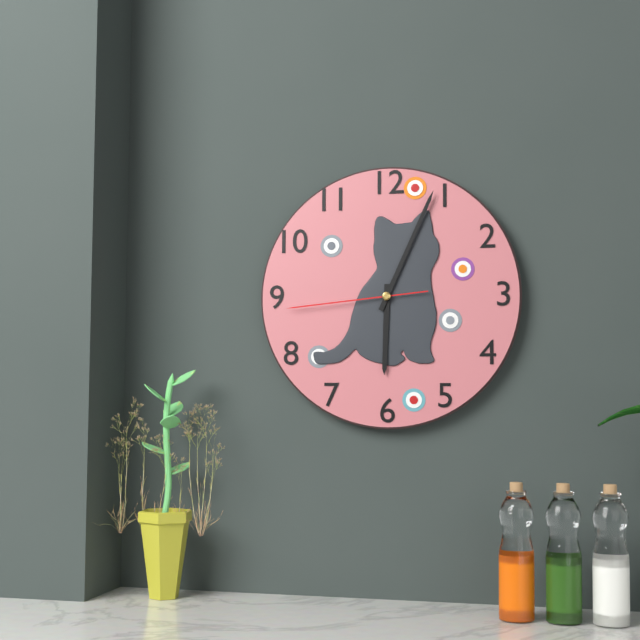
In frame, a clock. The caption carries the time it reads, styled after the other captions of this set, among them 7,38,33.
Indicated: 6,04,44
